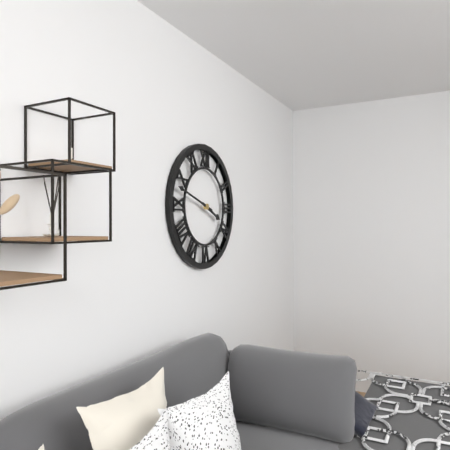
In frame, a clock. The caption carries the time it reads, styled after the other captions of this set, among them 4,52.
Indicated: 3,48
